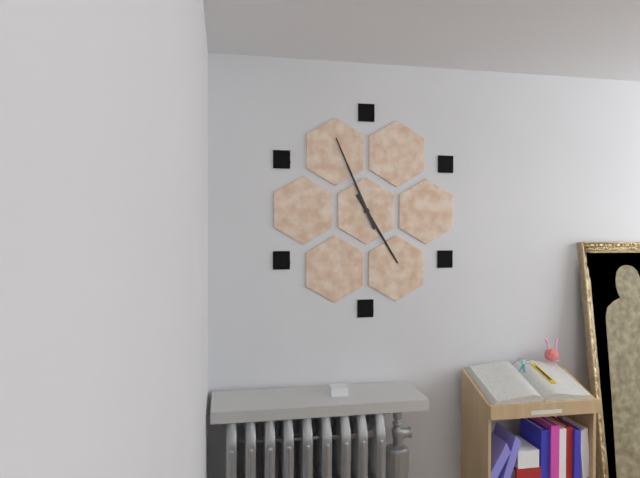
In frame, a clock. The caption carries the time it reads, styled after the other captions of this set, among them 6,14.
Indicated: 4,56
